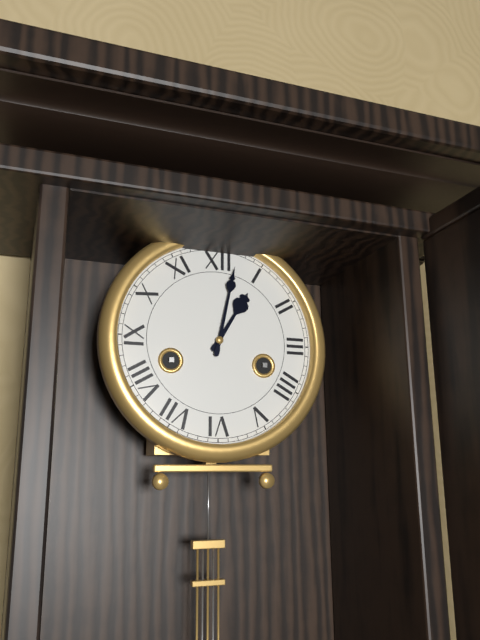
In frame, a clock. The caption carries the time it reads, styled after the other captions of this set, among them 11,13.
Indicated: 1,02
